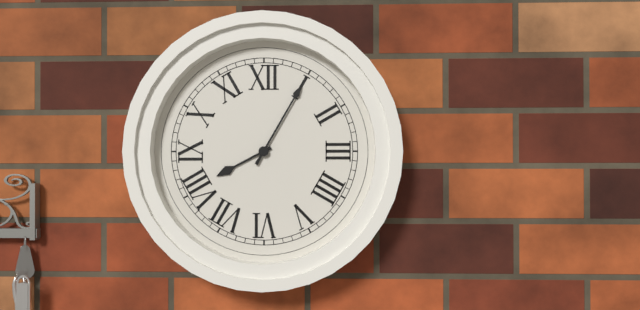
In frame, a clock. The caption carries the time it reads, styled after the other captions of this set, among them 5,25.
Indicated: 8,05
